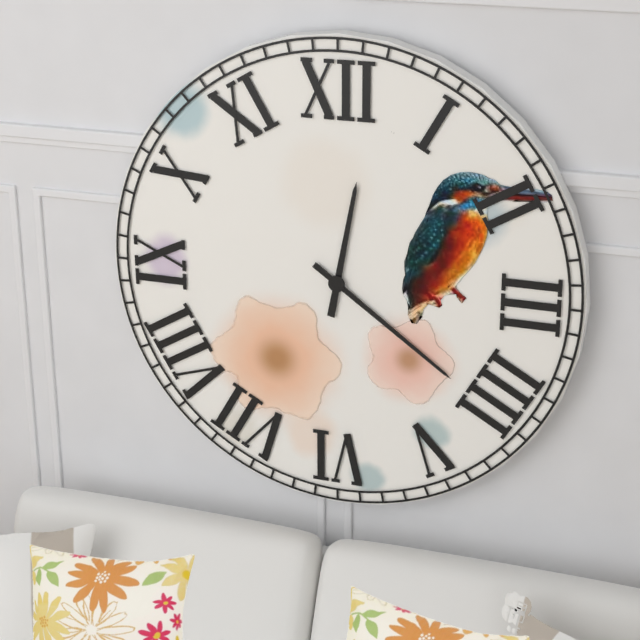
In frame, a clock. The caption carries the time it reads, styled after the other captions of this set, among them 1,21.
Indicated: 12,21
